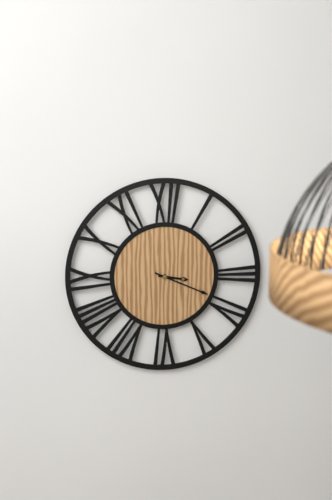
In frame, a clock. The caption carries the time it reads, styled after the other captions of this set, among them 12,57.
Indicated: 3,19
